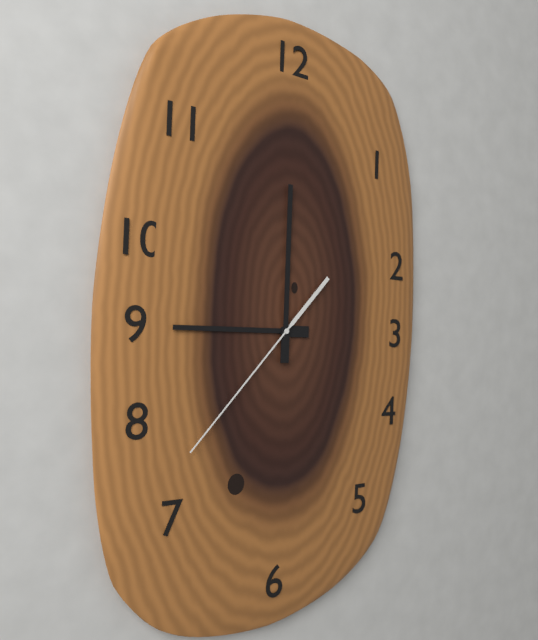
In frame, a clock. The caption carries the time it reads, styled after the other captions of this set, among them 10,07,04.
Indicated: 9,00,37
